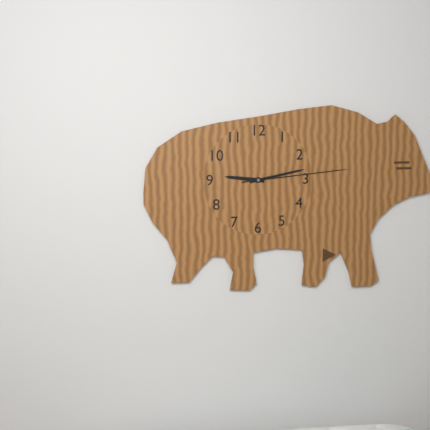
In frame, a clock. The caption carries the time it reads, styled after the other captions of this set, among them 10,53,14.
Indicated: 9,13,14
